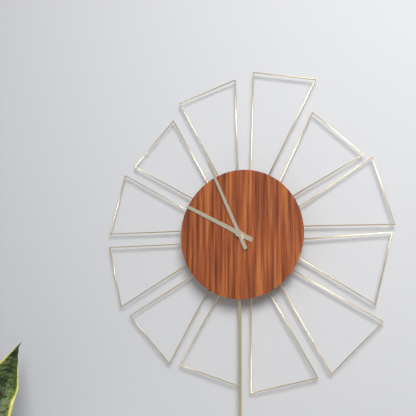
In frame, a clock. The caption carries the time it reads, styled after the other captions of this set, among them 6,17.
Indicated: 9,56
